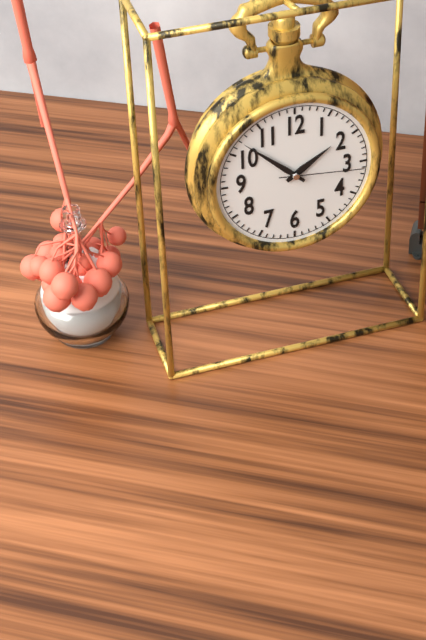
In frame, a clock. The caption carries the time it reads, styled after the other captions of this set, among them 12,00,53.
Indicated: 1,52,16
